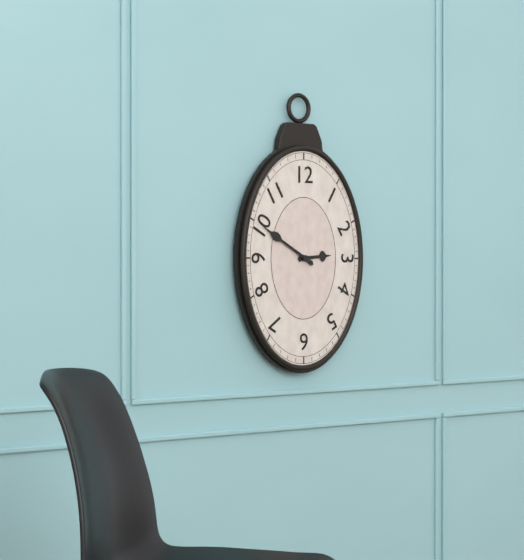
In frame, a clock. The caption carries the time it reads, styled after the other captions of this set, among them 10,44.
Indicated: 2,50
